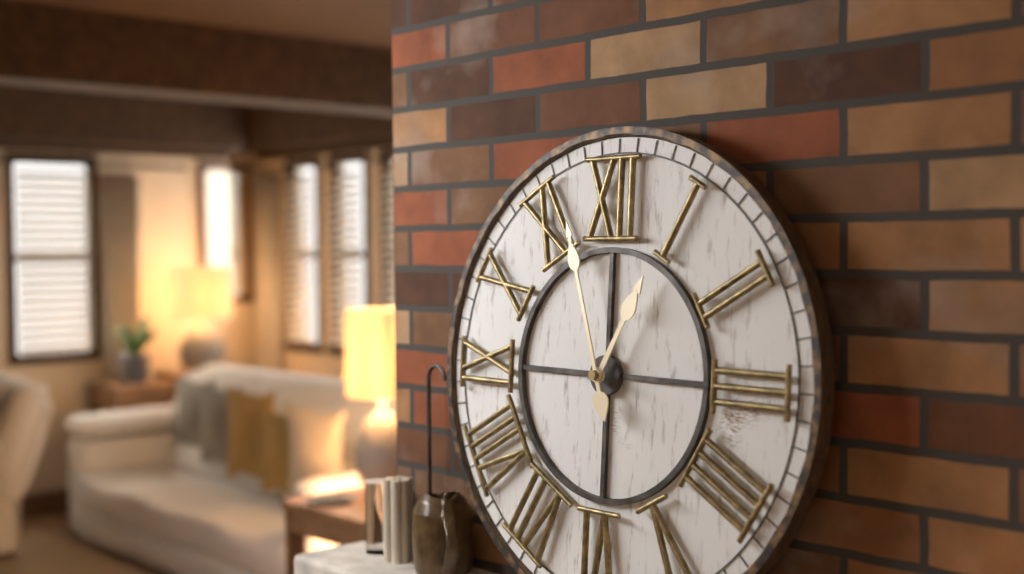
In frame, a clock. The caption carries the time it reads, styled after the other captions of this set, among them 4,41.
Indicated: 12,57
